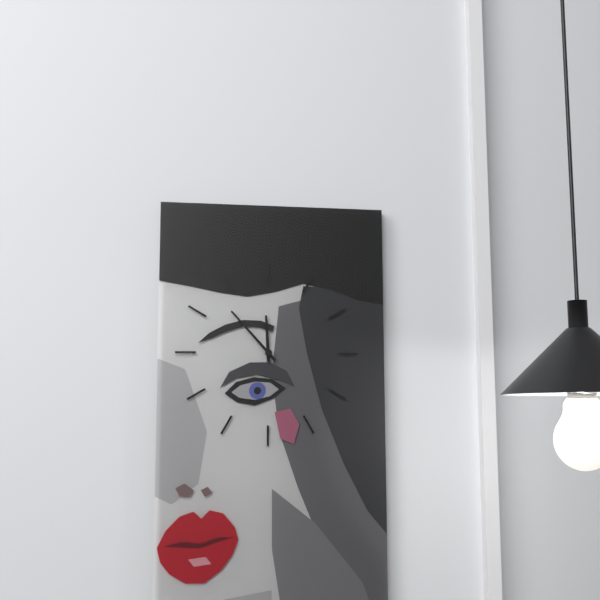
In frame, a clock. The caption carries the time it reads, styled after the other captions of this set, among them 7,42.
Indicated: 11,53
